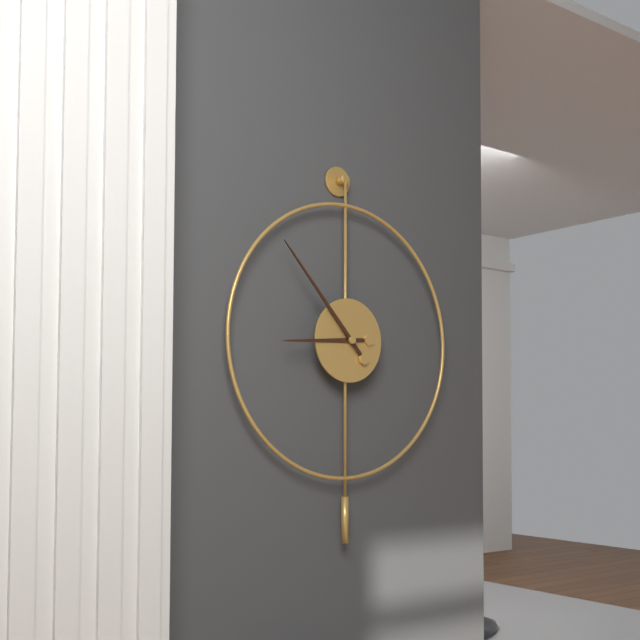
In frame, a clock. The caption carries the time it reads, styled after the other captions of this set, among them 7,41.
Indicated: 8,53
